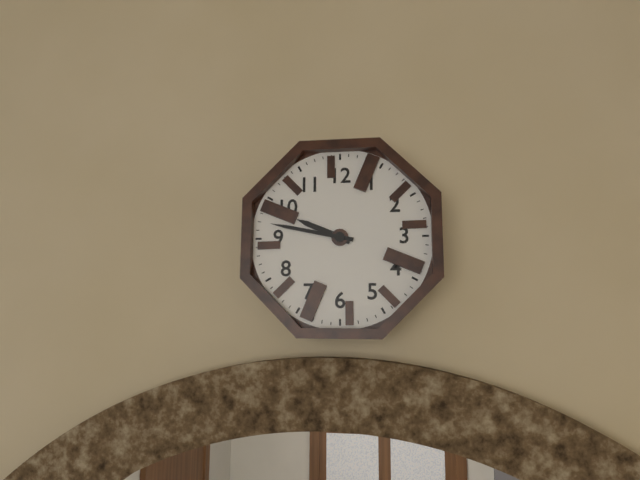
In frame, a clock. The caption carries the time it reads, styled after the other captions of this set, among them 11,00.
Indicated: 9,47
